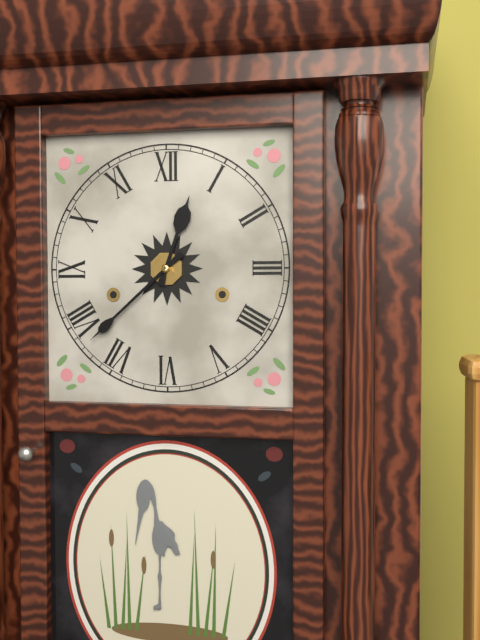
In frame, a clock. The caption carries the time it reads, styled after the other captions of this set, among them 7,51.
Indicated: 12,38
